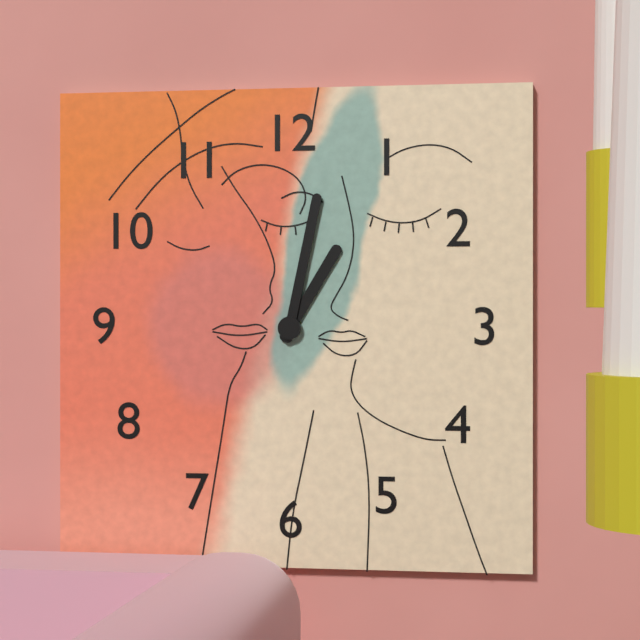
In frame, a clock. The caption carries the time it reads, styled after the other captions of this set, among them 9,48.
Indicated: 1,02
